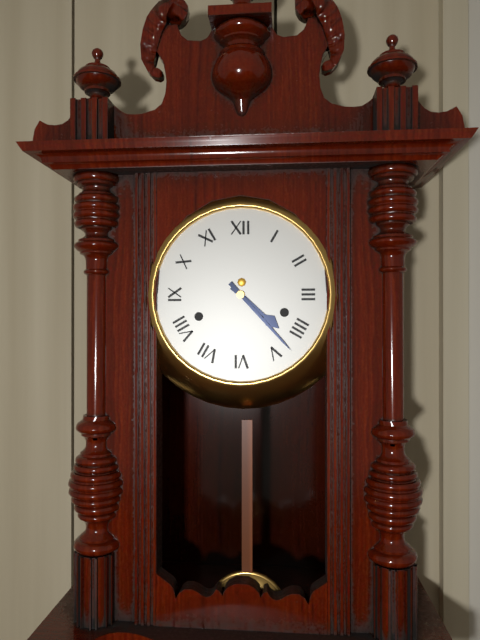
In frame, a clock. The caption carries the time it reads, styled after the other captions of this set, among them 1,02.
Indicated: 4,23
